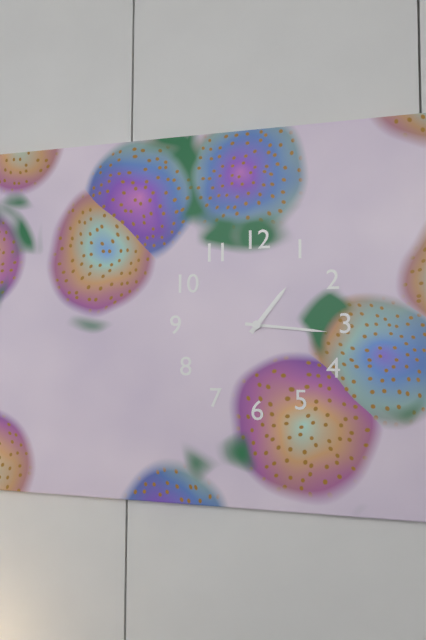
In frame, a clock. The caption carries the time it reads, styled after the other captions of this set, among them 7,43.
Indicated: 1,16
